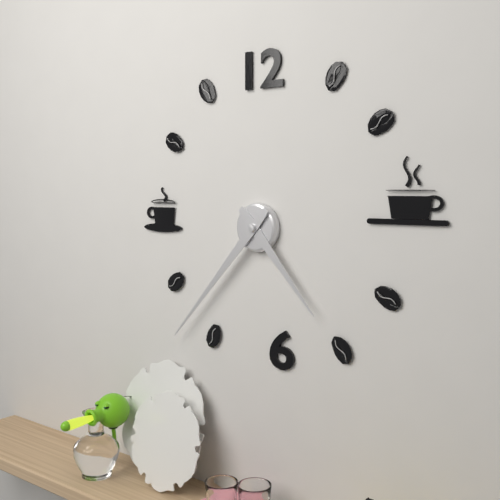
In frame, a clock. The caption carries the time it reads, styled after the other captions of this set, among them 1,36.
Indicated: 4,37
